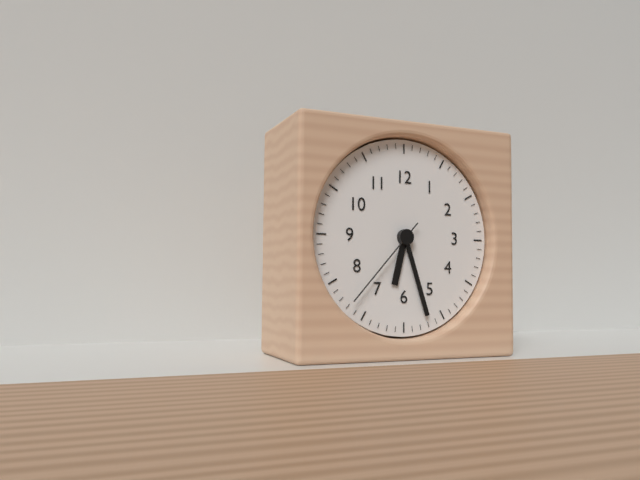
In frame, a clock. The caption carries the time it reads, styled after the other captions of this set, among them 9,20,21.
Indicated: 6,27,37
